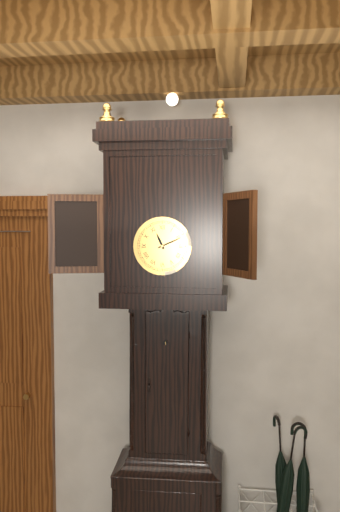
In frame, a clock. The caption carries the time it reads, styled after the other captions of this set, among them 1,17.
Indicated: 11,11
